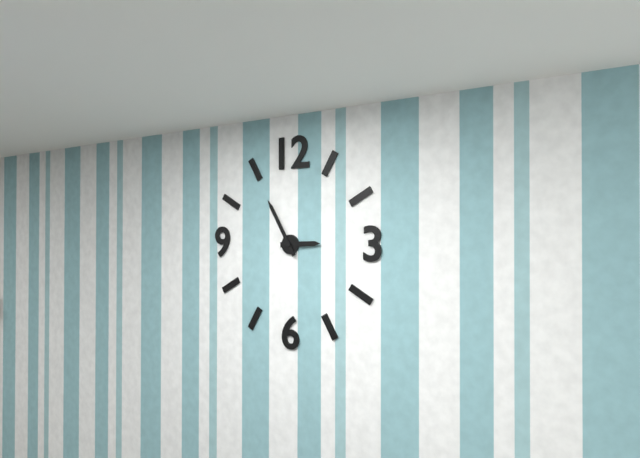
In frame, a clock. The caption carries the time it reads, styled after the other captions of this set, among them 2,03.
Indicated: 2,55
